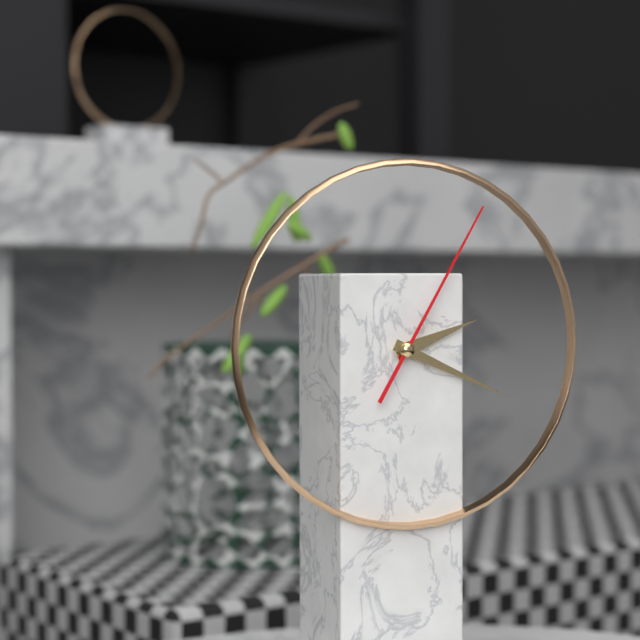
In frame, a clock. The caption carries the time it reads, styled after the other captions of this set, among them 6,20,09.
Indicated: 2,19,05
